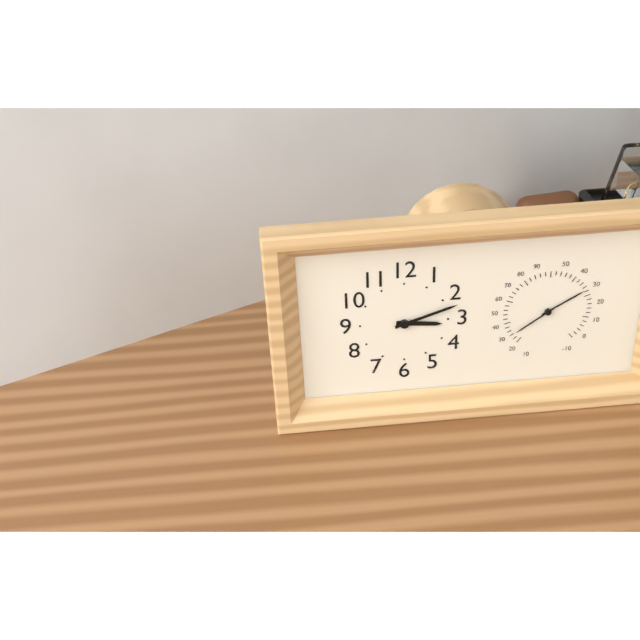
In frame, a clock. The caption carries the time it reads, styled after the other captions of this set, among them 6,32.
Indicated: 3,12
